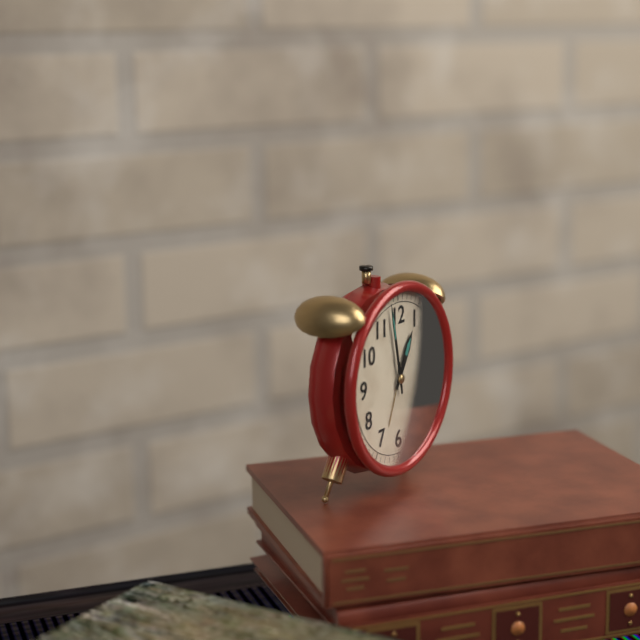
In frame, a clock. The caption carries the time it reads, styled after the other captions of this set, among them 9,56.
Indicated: 12,58
